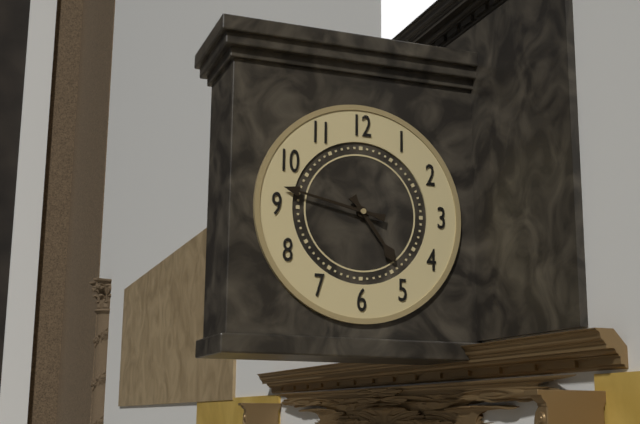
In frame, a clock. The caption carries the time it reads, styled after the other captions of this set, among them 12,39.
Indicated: 4,47
